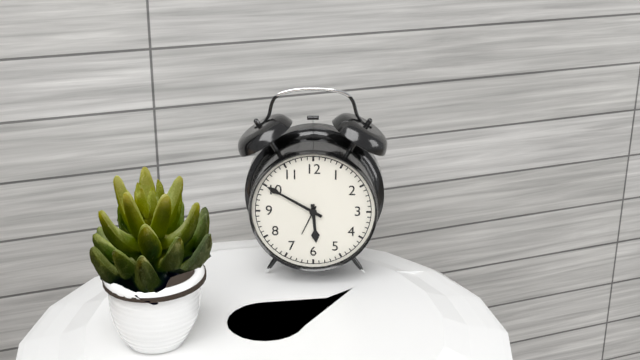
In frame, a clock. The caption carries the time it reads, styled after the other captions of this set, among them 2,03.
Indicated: 5,50
